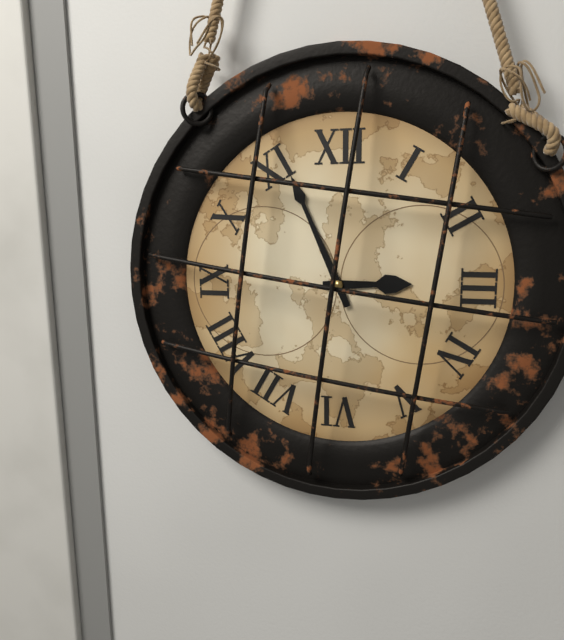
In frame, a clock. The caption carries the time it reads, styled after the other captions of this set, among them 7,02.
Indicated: 2,56
